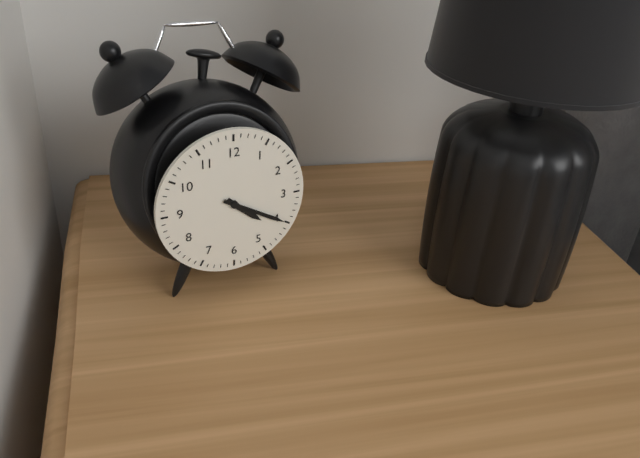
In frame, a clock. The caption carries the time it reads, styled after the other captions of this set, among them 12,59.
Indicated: 4,20
